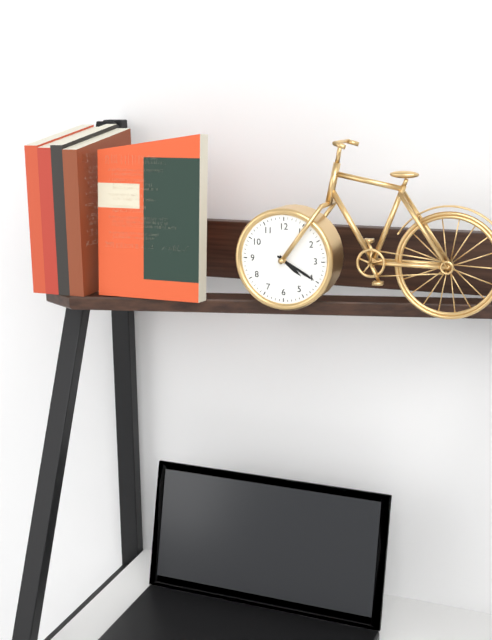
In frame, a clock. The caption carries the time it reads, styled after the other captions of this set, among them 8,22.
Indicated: 4,20
